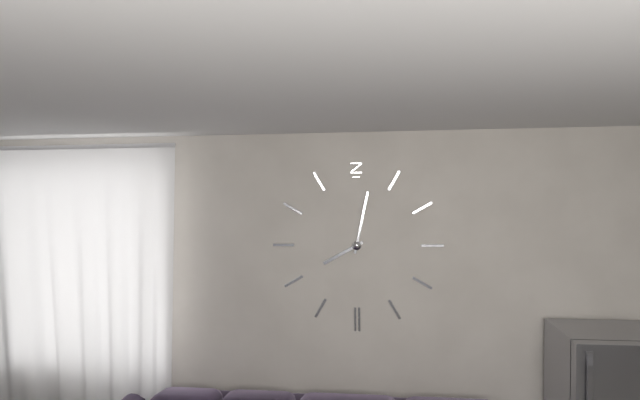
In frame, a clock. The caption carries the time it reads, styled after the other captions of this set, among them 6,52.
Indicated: 8,02
